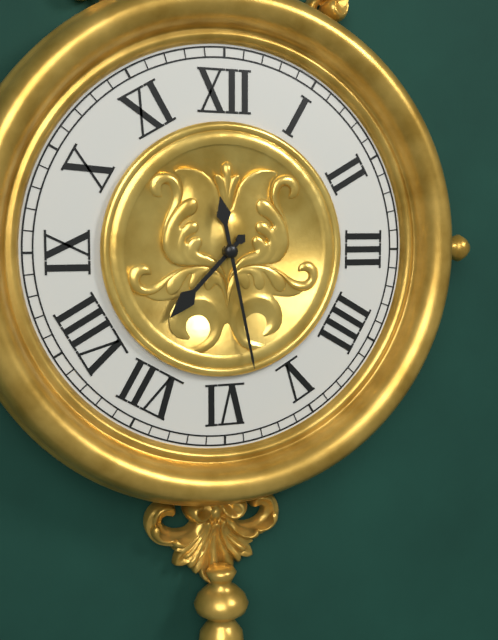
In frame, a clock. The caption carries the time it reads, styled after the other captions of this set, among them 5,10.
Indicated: 7,28
